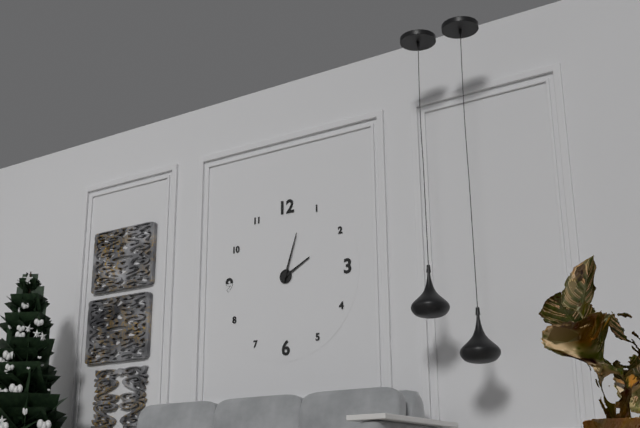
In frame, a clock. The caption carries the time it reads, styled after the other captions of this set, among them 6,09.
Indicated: 2,03
